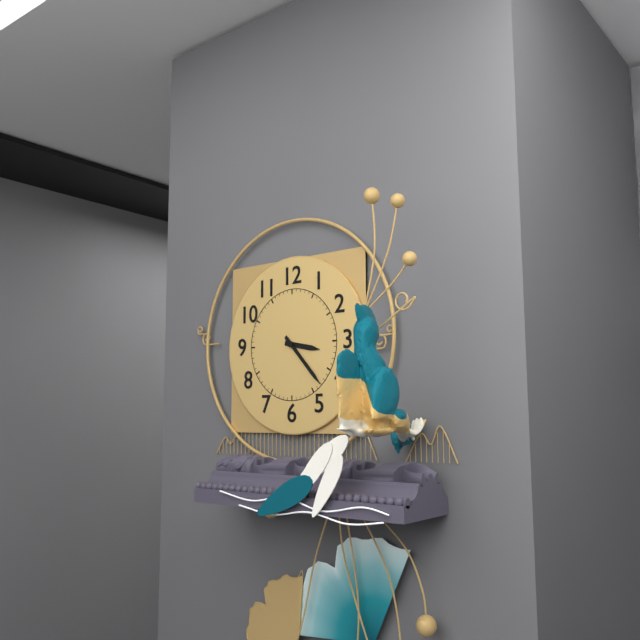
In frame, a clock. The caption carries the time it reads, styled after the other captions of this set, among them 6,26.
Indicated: 3,23
